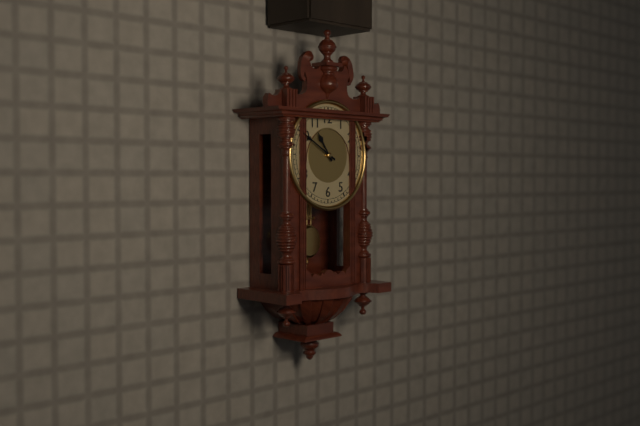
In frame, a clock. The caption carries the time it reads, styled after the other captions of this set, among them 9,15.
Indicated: 10,50
